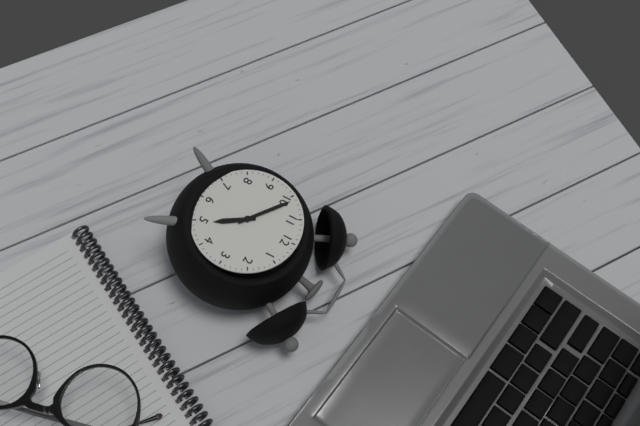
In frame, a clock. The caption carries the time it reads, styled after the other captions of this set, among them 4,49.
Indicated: 4,51
